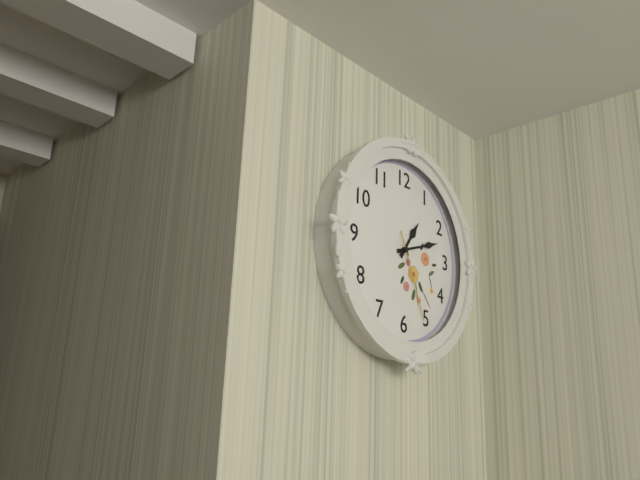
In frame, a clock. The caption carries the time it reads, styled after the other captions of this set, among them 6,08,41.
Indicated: 1,12,26
